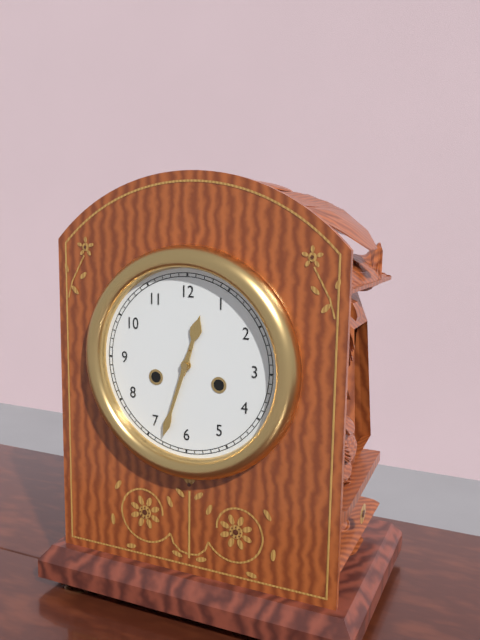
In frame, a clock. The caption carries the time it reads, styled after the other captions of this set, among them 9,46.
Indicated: 12,33
